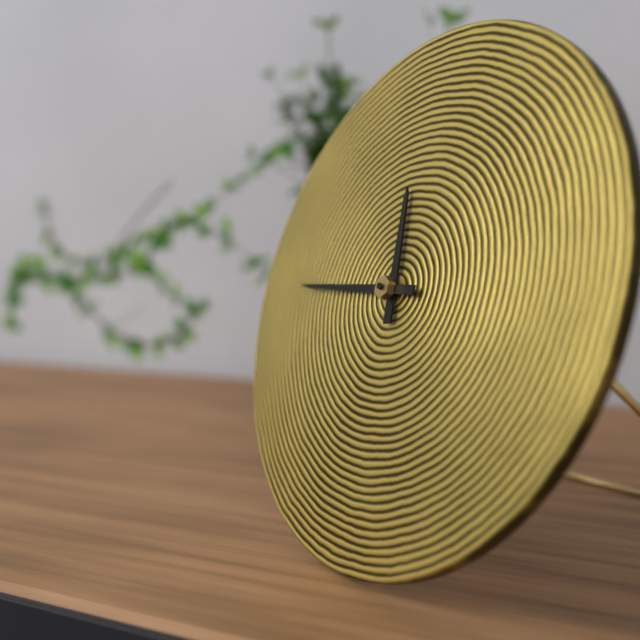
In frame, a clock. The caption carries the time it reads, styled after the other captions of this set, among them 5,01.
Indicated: 11,45
